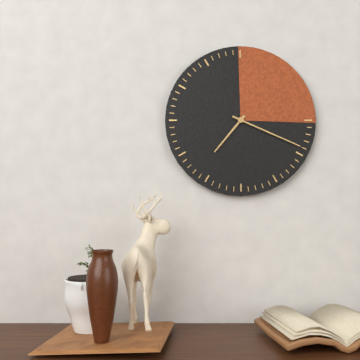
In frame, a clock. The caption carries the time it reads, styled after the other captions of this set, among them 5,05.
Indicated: 7,19
